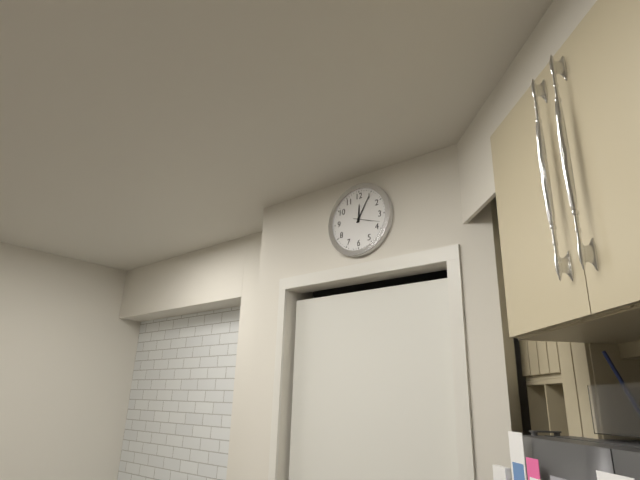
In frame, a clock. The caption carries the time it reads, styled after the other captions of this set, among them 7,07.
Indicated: 12,05
